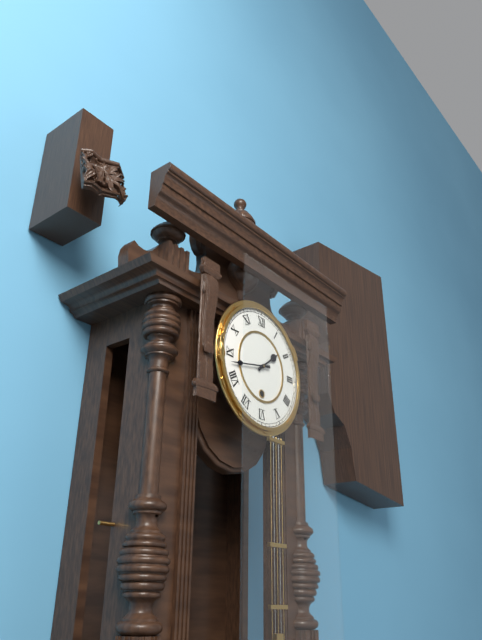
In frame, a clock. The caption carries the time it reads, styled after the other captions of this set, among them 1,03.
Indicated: 1,43
